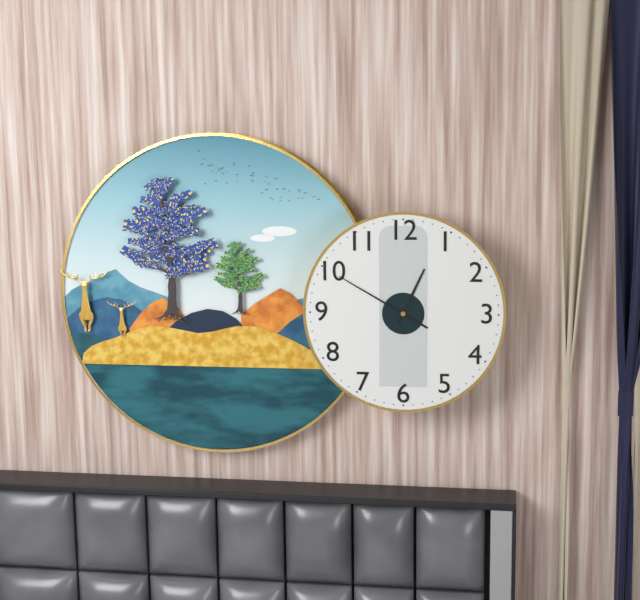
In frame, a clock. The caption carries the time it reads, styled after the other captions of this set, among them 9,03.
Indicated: 12,50
